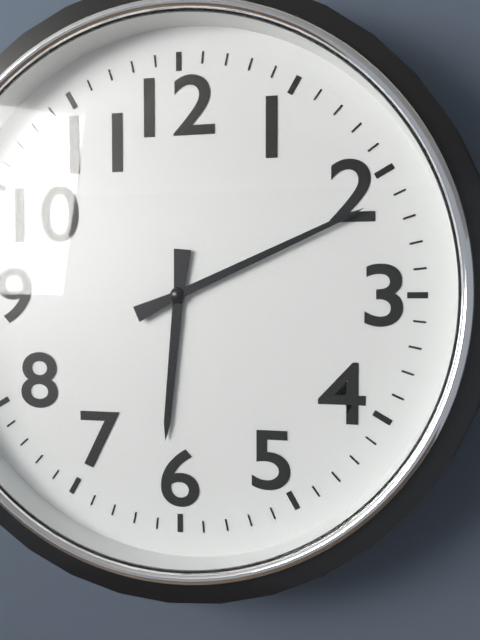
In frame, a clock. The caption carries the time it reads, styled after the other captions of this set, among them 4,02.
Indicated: 6,11
